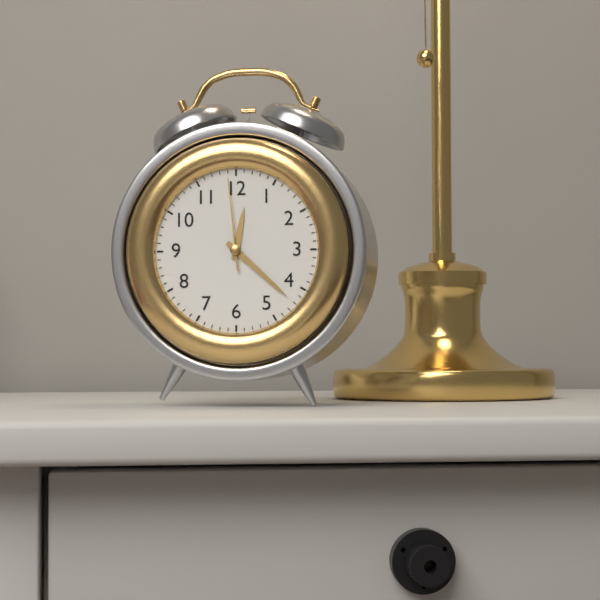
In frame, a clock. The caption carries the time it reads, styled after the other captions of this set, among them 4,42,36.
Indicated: 12,22,59
